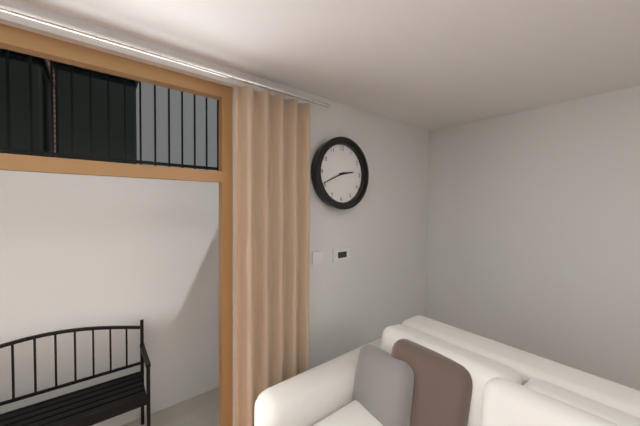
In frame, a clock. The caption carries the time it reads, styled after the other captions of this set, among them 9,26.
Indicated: 2,41
